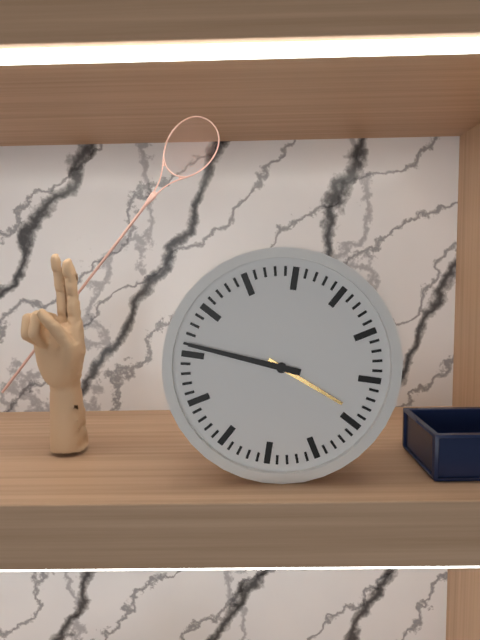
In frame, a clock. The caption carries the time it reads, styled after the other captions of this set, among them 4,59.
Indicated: 3,46
